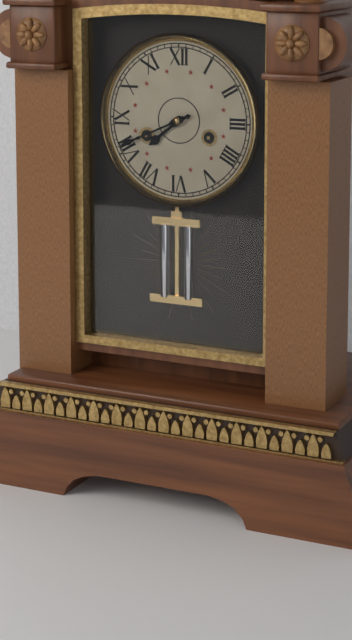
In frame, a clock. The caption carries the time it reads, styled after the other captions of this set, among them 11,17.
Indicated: 7,41
